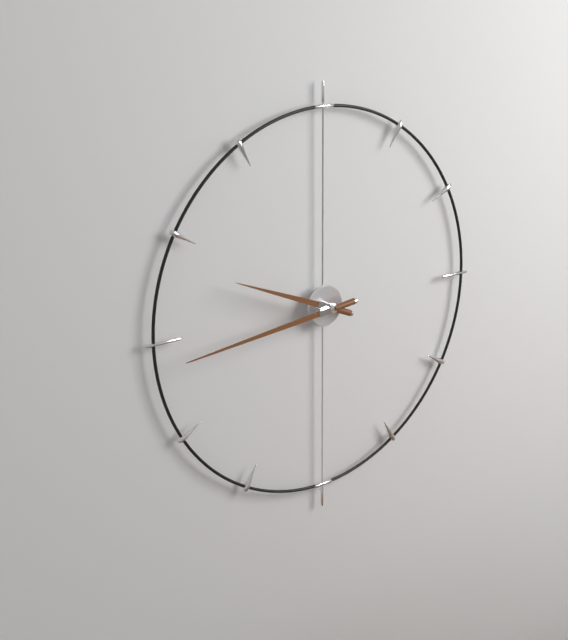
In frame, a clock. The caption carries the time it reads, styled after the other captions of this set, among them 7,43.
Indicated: 9,44
